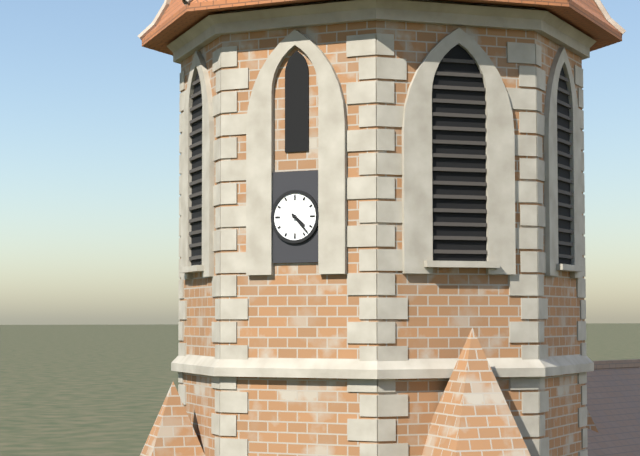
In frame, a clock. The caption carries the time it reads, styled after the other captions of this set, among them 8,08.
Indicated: 4,23
